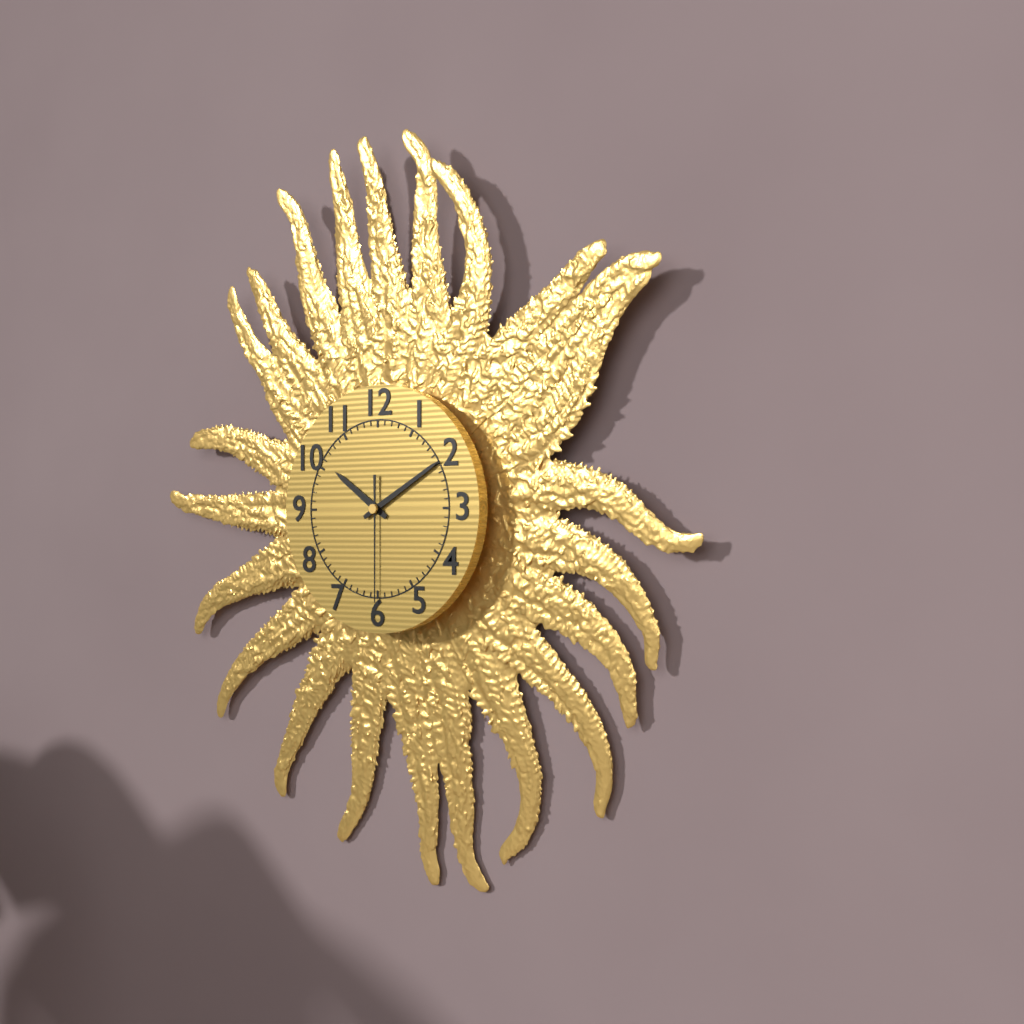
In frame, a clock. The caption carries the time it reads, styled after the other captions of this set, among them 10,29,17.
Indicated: 10,10,30
